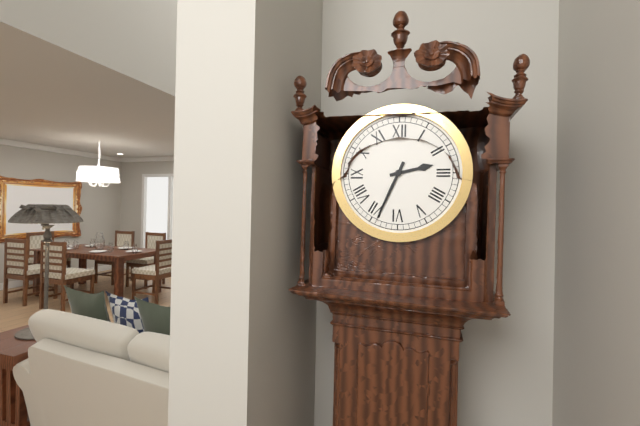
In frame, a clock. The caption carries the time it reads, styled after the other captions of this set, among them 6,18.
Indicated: 2,34
